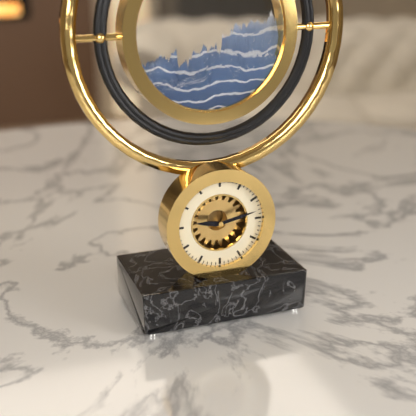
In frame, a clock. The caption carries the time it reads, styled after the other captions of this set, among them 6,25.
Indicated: 9,13
